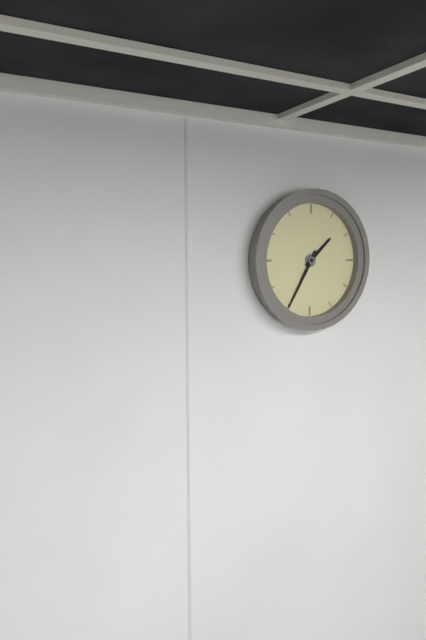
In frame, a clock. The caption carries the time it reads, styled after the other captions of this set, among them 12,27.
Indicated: 1,35
